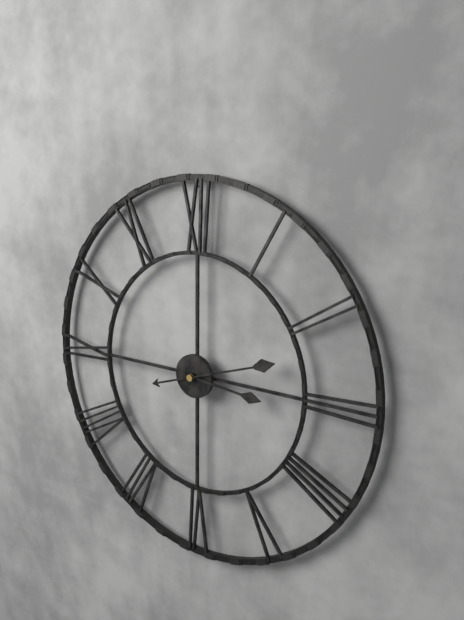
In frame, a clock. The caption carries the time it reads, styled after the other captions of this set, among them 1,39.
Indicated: 3,12
